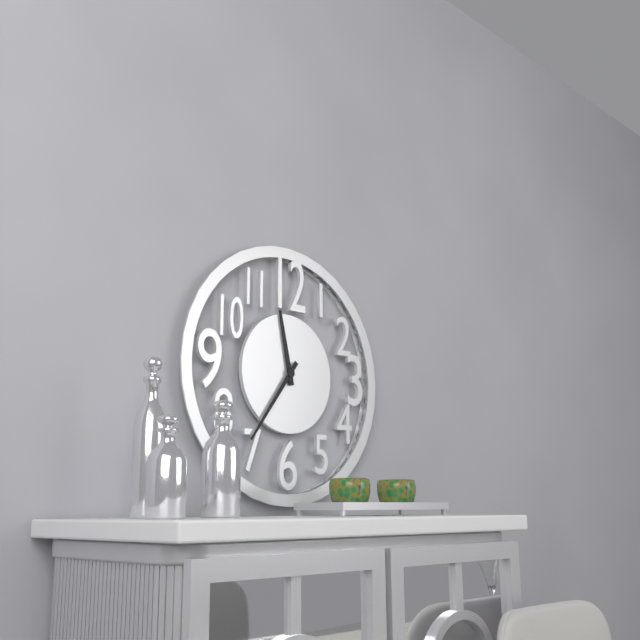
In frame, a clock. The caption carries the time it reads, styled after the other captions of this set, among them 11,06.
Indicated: 11,36
